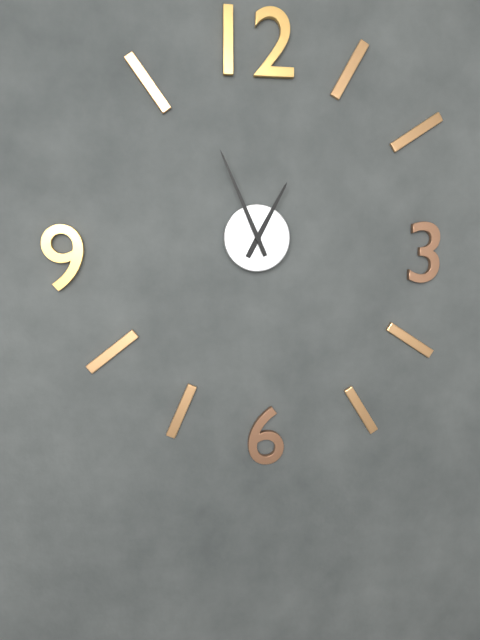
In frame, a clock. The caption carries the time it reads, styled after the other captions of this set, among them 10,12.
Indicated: 12,56
